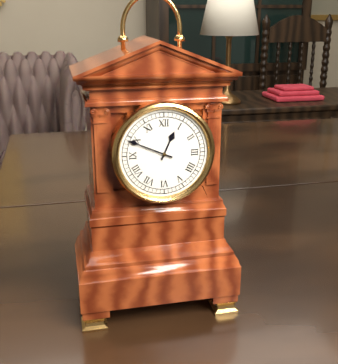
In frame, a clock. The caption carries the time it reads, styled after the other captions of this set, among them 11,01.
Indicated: 12,49
